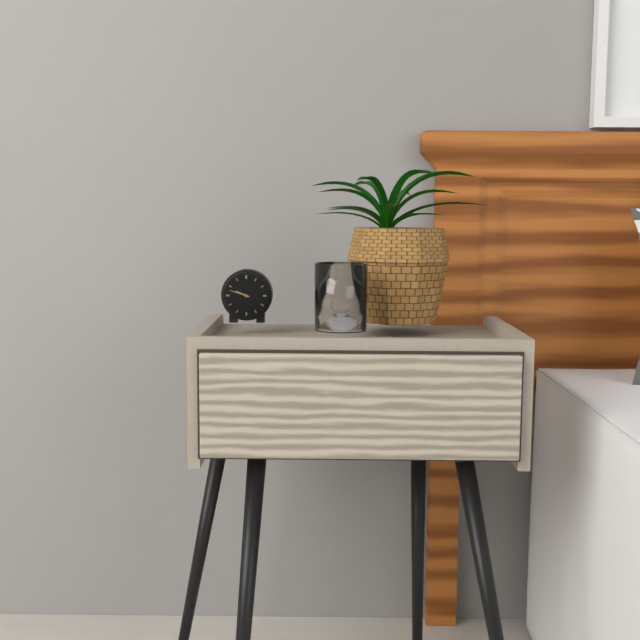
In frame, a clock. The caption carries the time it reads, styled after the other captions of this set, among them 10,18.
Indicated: 9,48
